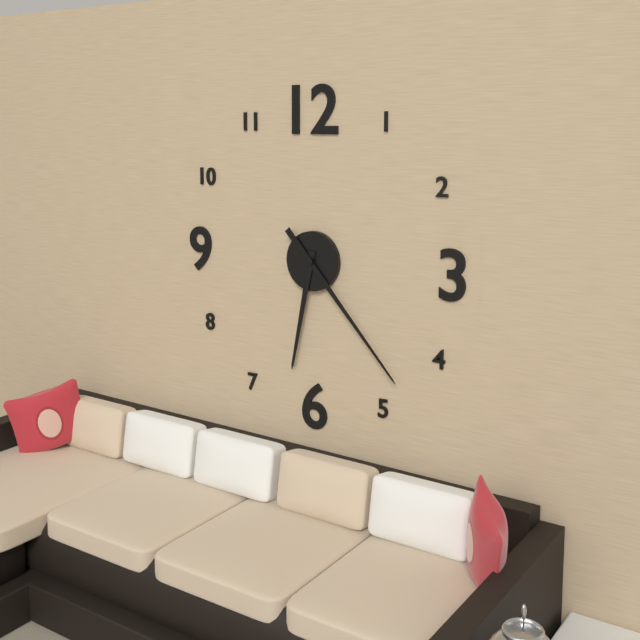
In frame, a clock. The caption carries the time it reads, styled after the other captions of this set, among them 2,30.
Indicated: 6,23
